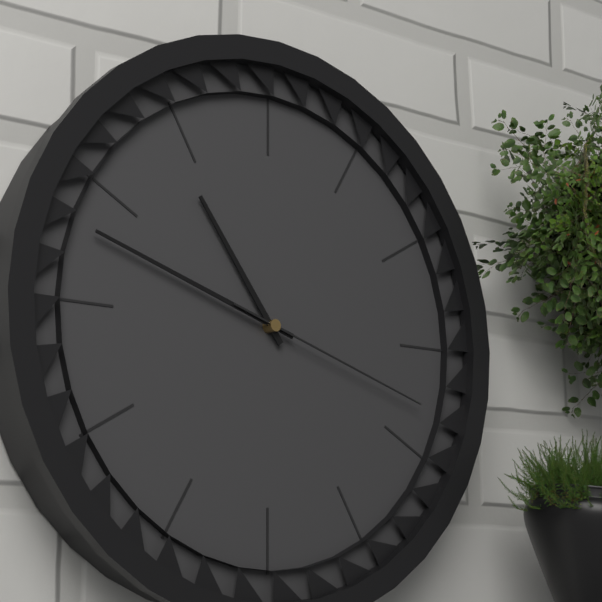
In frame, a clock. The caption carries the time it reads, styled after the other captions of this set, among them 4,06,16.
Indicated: 10,48,18
